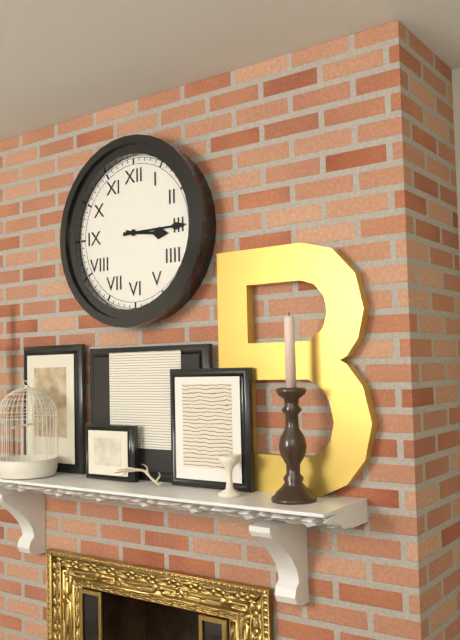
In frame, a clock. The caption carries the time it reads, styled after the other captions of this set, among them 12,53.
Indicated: 3,15
